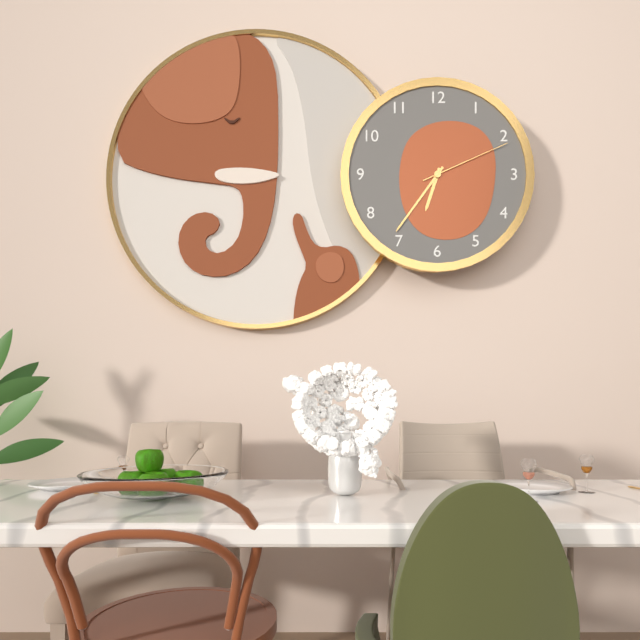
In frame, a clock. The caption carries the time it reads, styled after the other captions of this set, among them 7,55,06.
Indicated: 6,36,11
